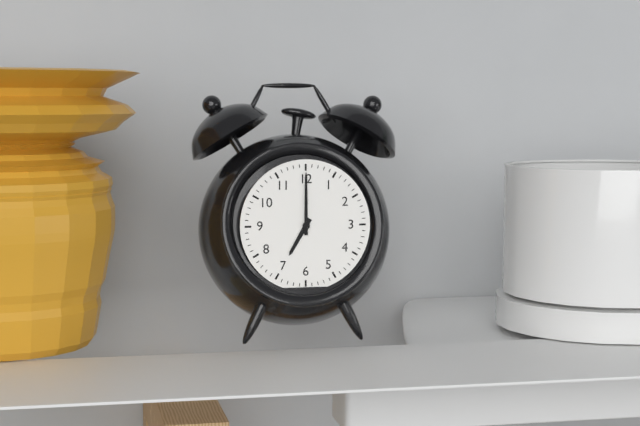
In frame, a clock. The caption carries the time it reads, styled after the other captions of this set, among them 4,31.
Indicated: 7,00
